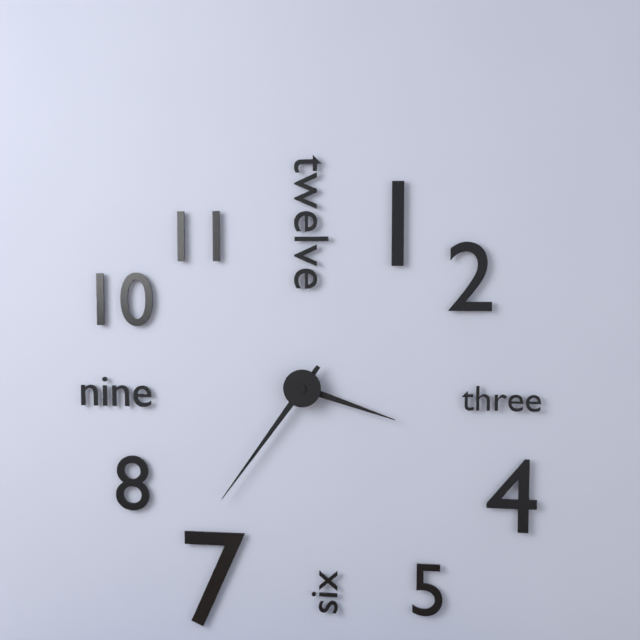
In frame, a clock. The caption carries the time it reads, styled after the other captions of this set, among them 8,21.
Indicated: 3,36
